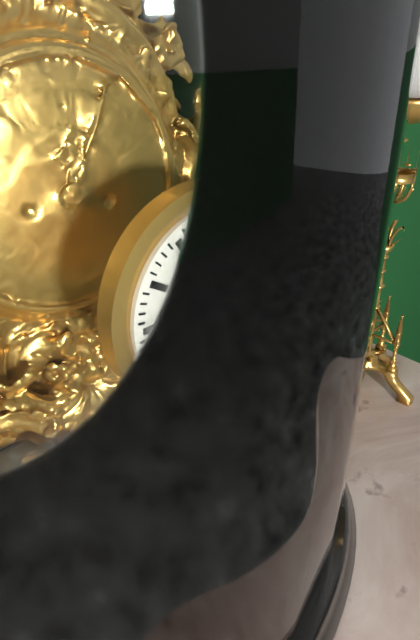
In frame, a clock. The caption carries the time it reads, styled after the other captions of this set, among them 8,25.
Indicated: 1,55
